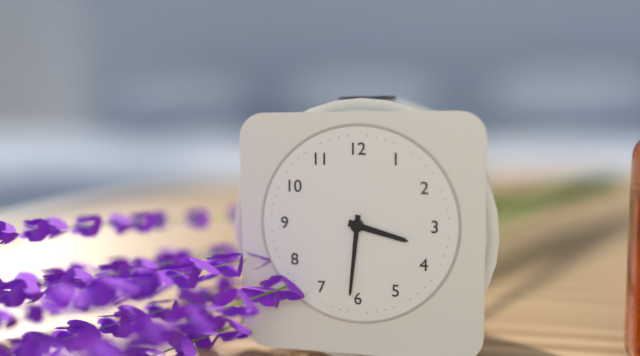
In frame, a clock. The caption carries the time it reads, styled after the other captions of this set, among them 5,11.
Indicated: 3,31
